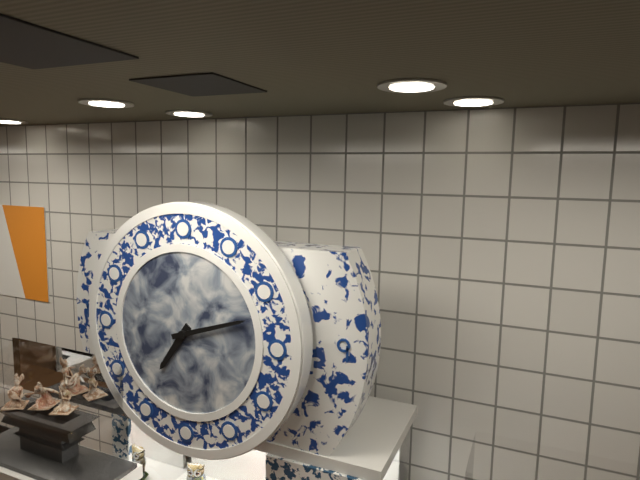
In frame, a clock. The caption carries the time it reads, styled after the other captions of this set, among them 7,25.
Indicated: 7,12
